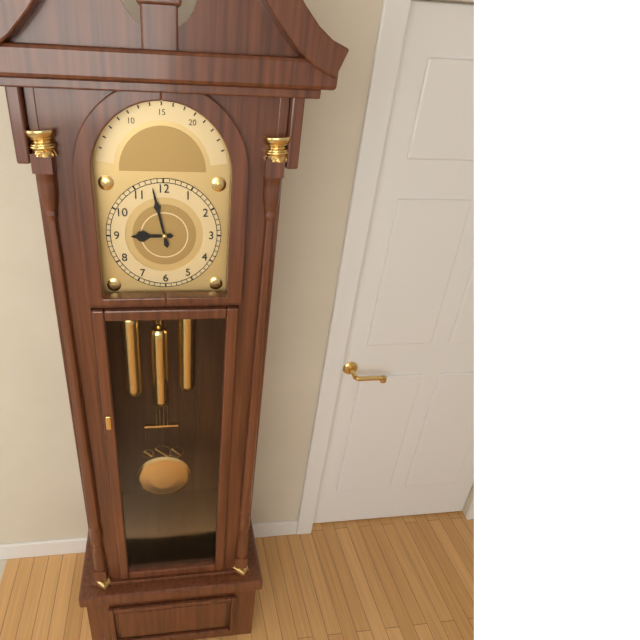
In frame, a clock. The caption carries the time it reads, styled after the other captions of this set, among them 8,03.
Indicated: 8,58
